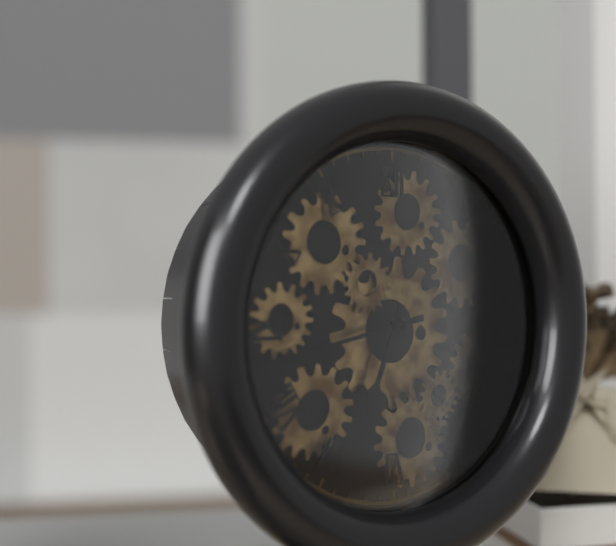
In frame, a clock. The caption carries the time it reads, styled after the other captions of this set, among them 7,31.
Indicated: 6,43
